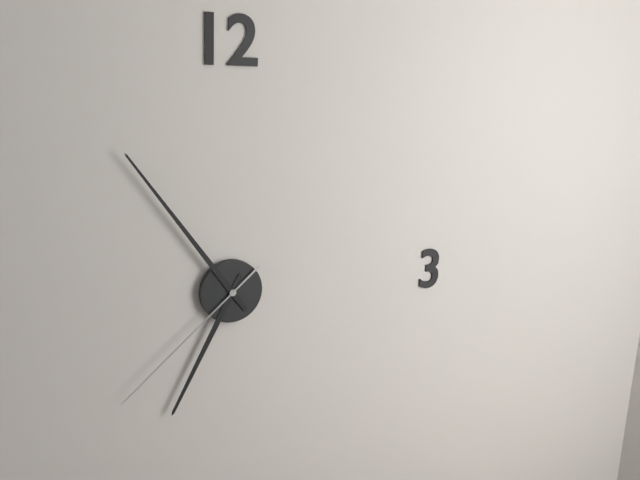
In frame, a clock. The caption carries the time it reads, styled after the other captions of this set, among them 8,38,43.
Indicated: 6,54,38
